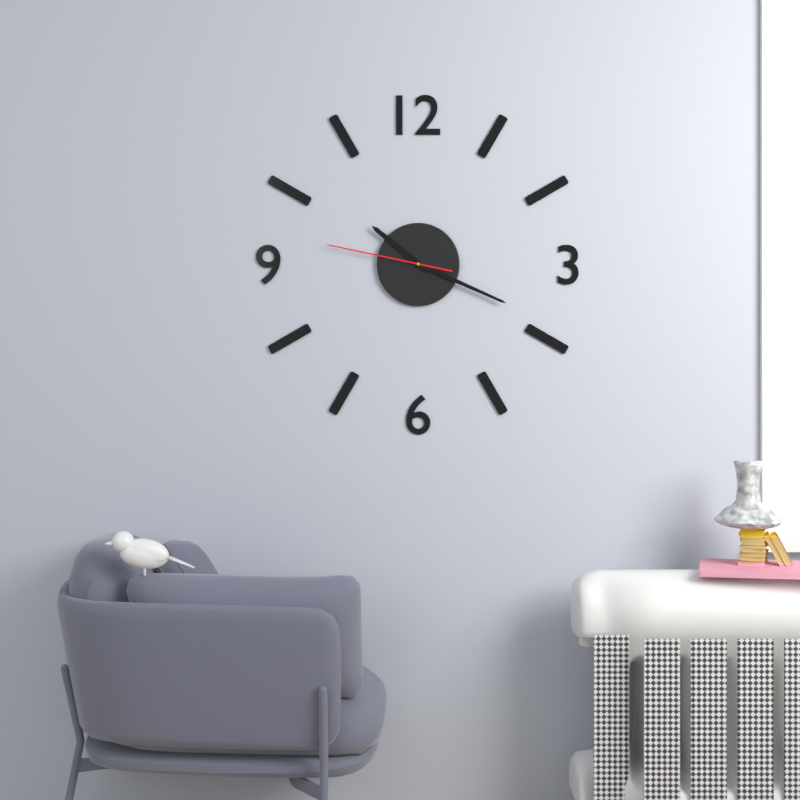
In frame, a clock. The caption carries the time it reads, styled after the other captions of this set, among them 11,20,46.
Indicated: 10,19,47
